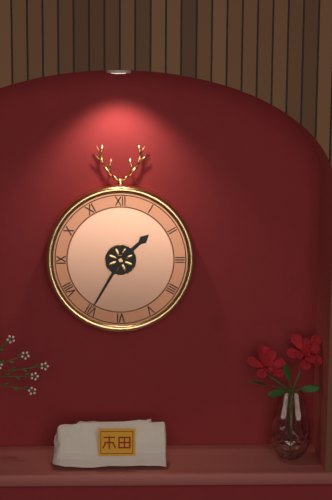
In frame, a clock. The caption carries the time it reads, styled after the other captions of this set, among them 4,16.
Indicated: 1,35
